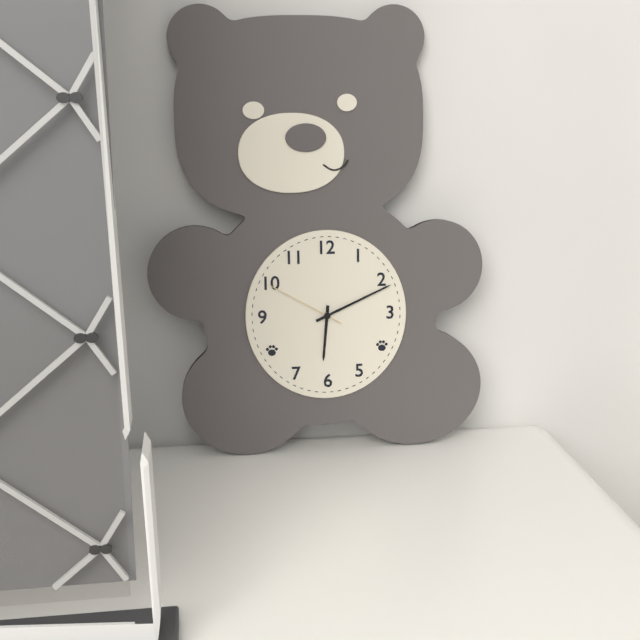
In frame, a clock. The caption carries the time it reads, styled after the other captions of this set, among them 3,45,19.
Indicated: 6,11,50
